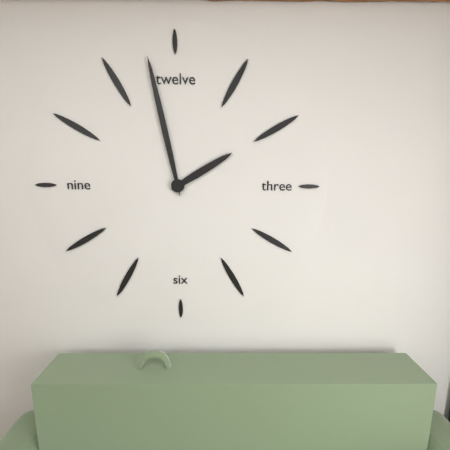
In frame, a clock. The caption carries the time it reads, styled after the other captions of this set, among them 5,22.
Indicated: 1,58
